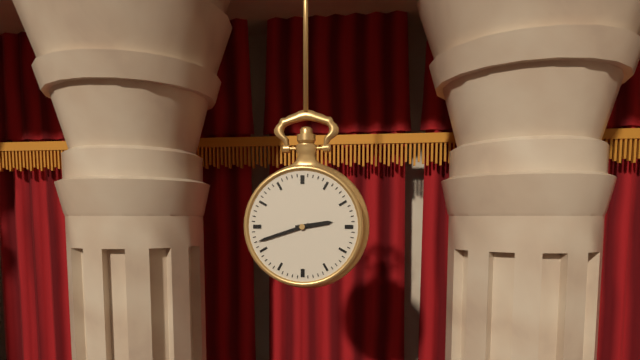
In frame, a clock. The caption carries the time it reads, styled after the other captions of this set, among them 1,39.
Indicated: 2,42
